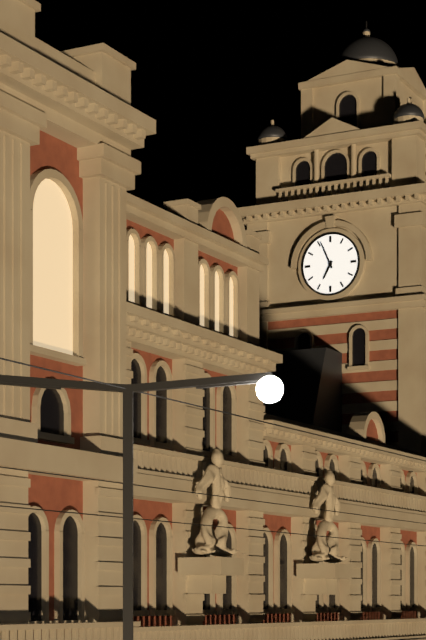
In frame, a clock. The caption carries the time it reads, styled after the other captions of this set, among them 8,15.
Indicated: 6,56
